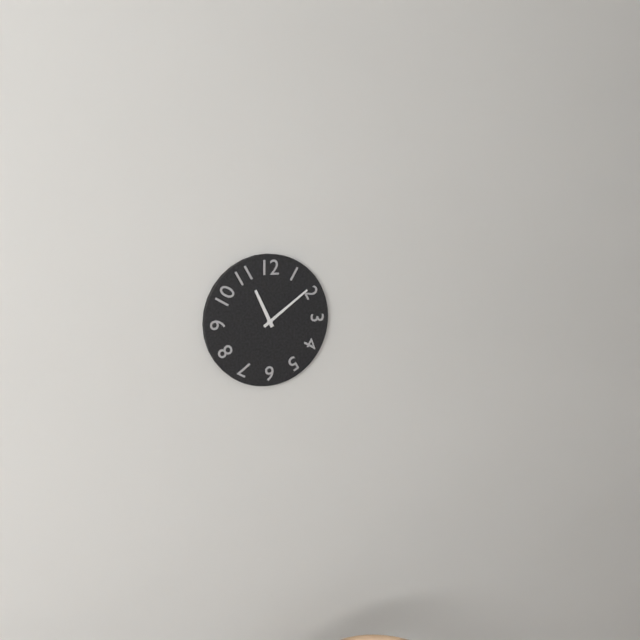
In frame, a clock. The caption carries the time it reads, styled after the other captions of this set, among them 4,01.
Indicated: 11,09
